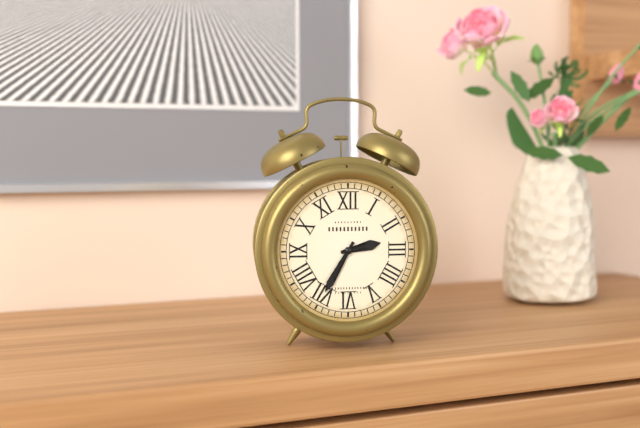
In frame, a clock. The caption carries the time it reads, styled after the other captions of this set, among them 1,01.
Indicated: 2,35
